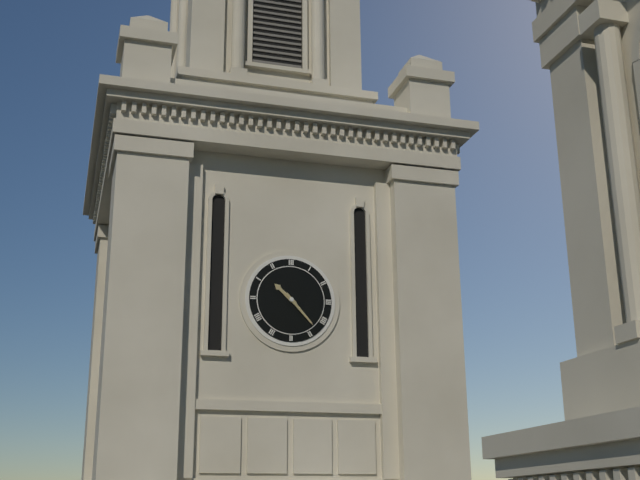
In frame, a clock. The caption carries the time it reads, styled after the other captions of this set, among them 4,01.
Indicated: 10,23
